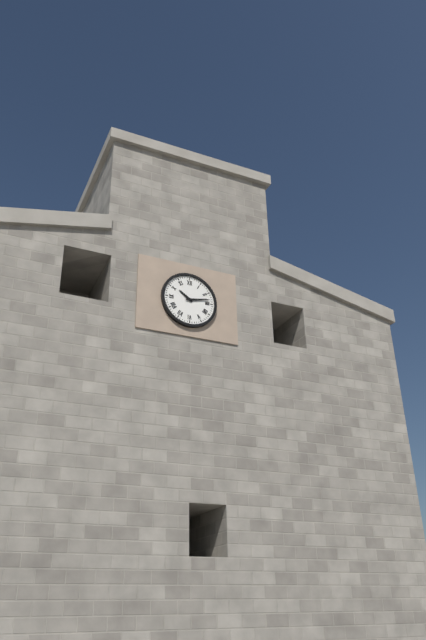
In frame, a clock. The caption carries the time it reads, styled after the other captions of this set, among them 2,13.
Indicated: 10,13
